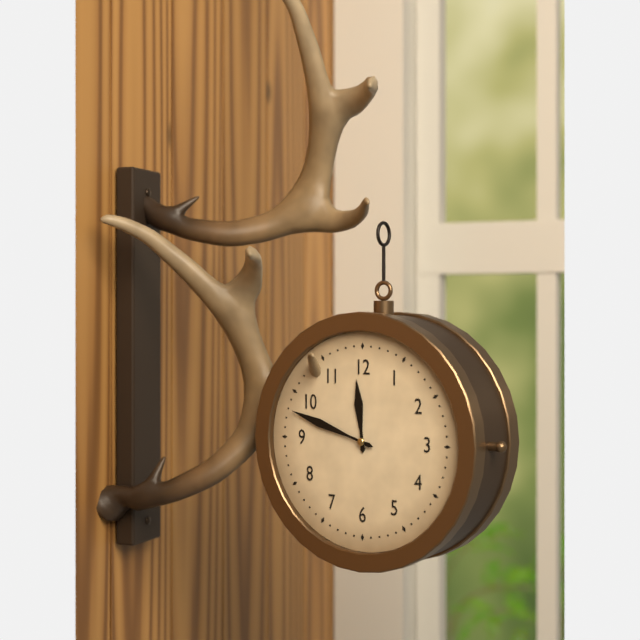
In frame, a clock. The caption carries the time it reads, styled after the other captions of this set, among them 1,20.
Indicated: 11,48
